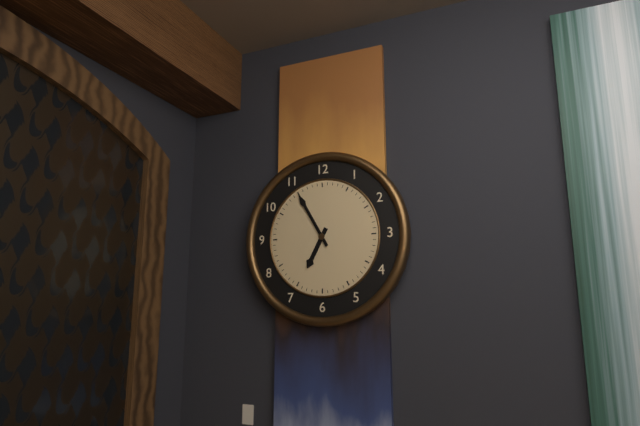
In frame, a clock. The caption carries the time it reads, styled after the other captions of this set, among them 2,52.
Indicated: 6,55
